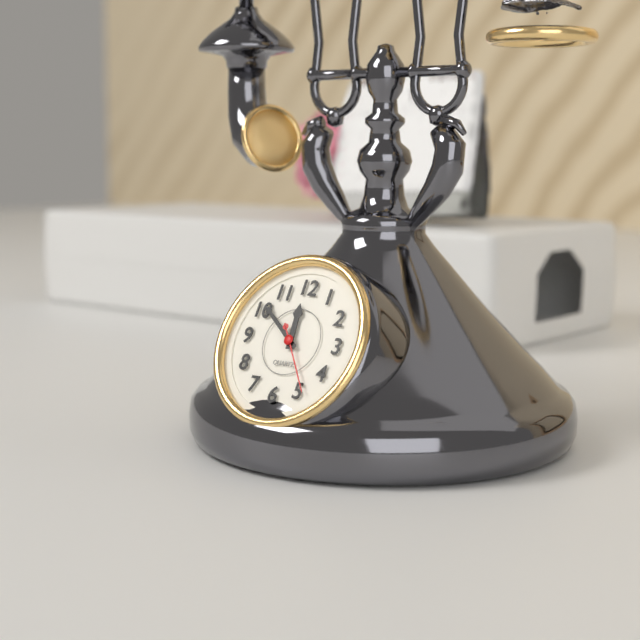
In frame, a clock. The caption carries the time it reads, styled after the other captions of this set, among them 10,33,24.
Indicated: 11,51,24
